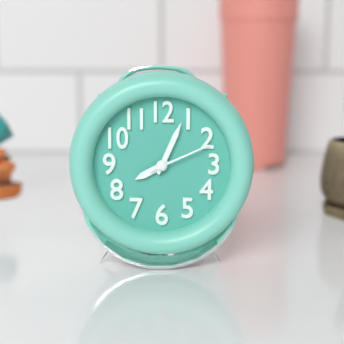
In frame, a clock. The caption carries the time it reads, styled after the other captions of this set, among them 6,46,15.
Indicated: 8,04,11
